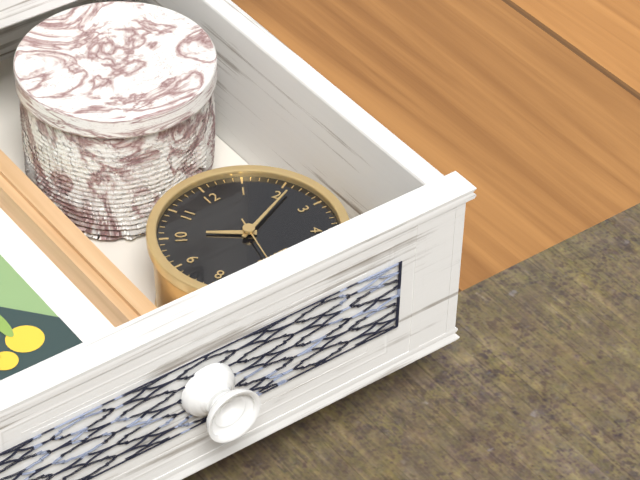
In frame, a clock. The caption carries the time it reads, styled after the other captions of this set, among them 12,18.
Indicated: 10,11
